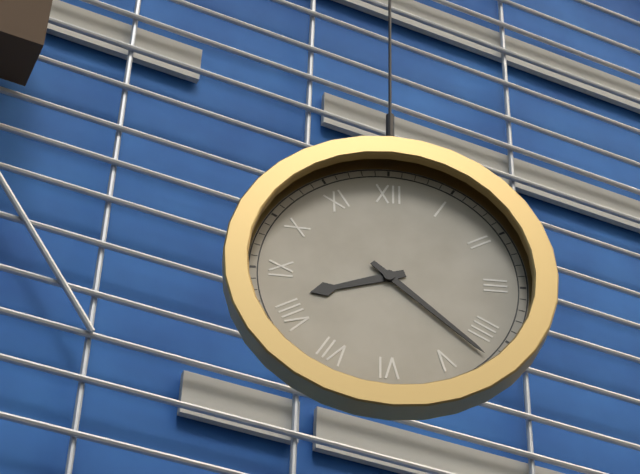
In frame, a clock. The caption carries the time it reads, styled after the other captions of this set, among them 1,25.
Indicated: 8,22
